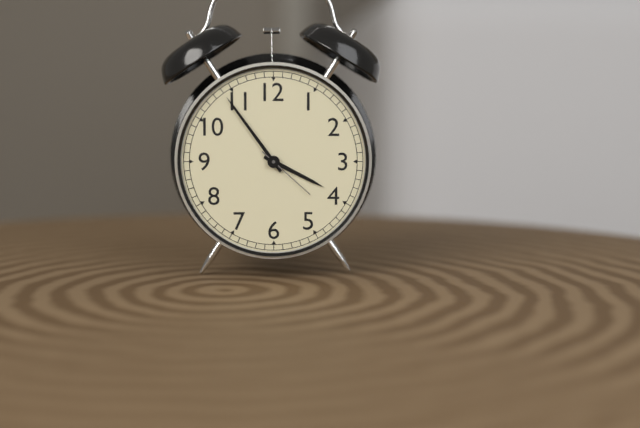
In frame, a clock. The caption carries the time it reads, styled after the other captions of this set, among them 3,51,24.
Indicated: 3,54,22
